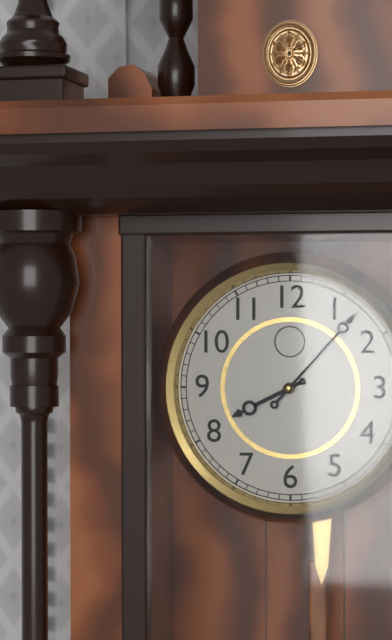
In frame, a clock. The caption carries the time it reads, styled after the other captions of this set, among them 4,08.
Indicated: 8,07
